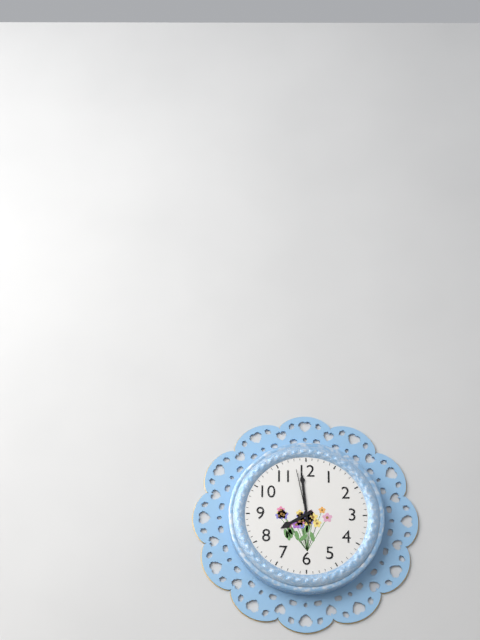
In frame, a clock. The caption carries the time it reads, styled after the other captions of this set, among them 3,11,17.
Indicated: 7,59,58
